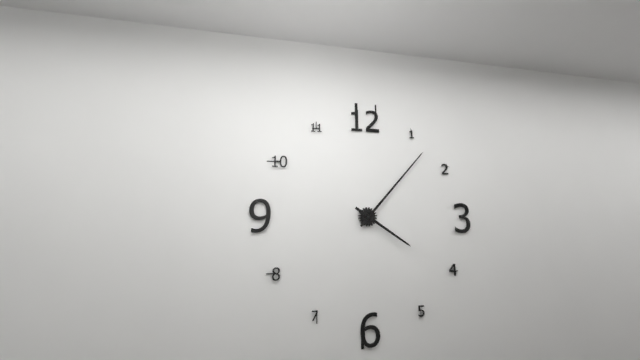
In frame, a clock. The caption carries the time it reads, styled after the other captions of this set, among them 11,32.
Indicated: 4,07
